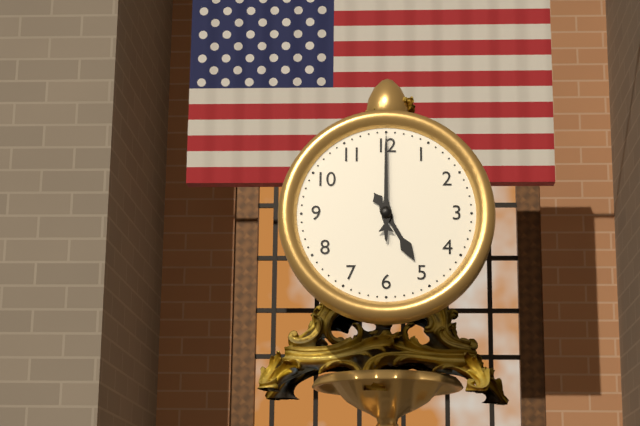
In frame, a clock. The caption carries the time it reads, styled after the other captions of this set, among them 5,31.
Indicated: 5,00
